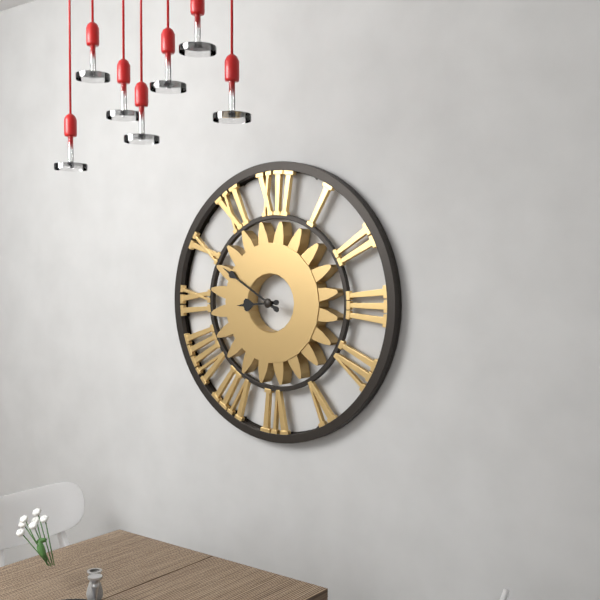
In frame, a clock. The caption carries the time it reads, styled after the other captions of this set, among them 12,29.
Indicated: 8,50
